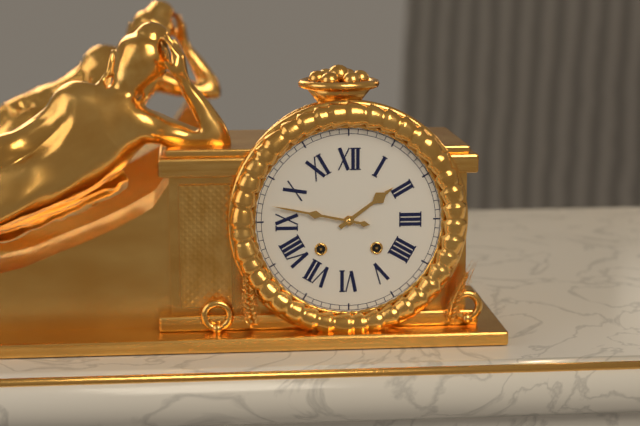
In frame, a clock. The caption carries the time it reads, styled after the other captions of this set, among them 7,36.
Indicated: 1,47
